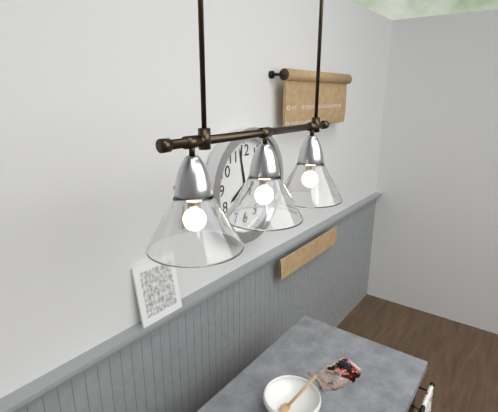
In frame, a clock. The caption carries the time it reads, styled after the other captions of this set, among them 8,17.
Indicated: 7,58
